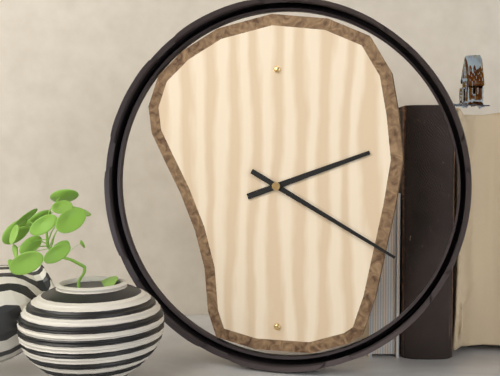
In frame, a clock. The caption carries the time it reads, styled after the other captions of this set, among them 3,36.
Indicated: 2,20
